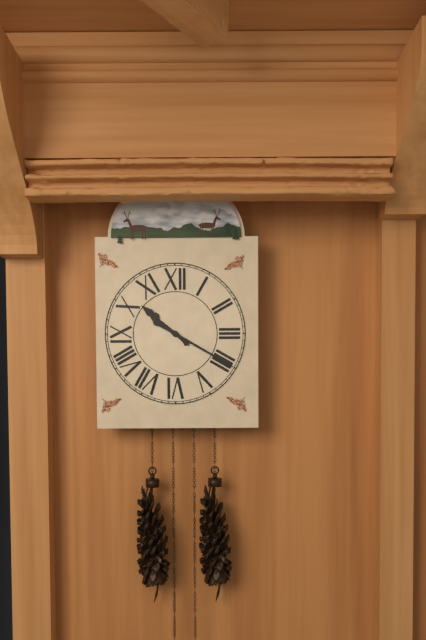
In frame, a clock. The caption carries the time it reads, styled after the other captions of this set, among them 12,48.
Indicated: 10,20
